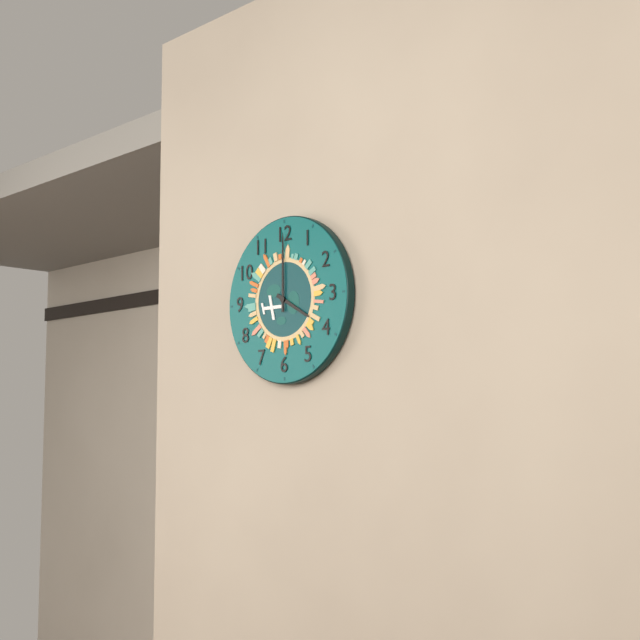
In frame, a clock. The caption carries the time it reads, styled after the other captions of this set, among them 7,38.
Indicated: 4,00
